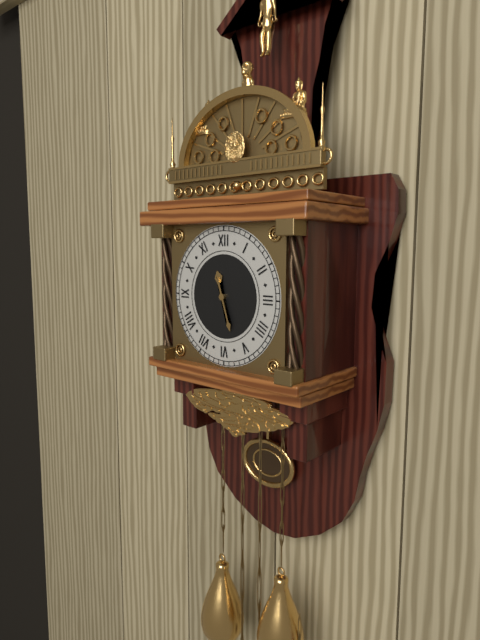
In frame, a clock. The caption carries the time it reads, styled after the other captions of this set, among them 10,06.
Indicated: 11,27
